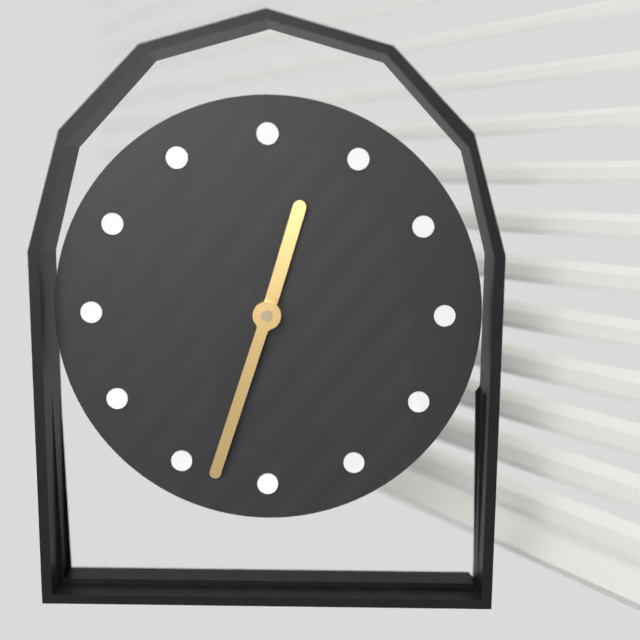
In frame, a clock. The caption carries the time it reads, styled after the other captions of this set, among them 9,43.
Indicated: 12,33
